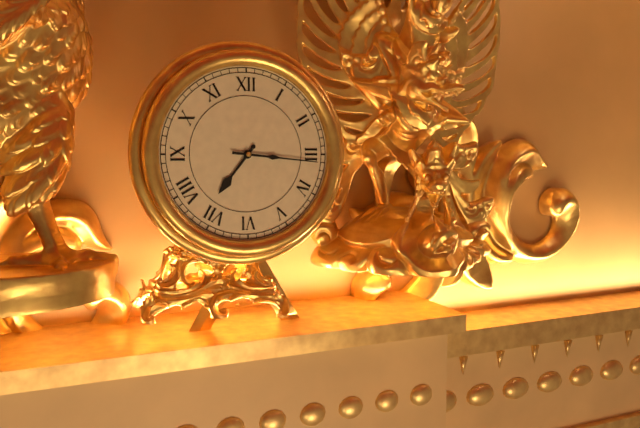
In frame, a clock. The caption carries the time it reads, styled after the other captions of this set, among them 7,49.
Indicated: 7,16
